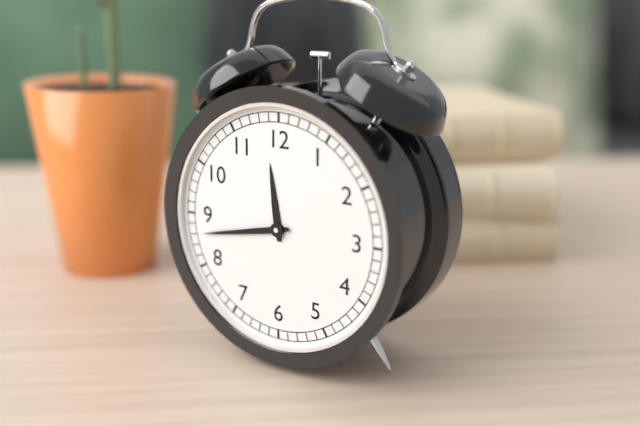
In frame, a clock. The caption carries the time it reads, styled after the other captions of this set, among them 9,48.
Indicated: 11,43
